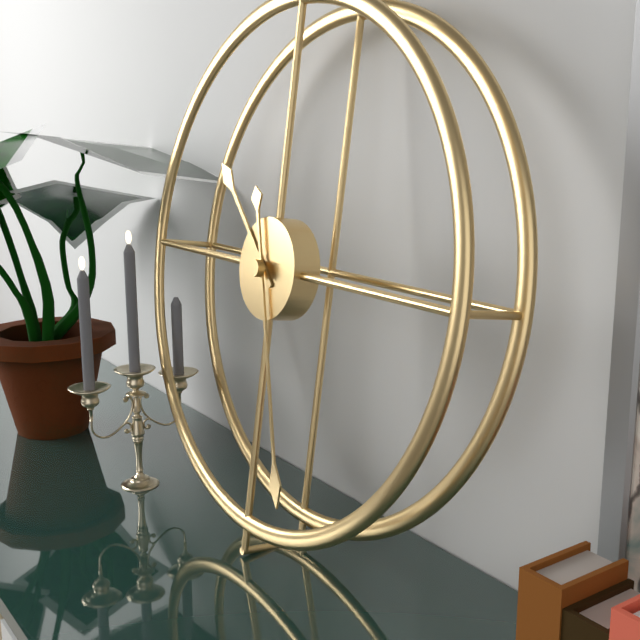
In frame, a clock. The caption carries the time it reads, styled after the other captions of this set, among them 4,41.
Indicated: 10,27
